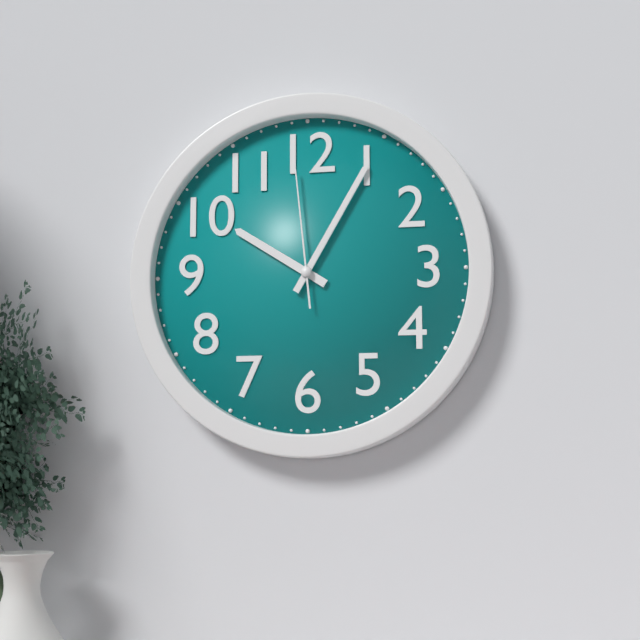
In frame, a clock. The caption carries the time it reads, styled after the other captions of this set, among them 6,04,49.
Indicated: 10,05,59
